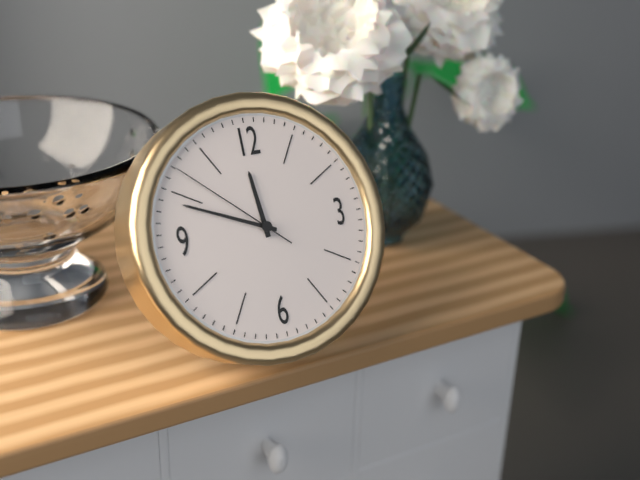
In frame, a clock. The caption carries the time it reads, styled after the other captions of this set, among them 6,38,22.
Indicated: 11,49,52
